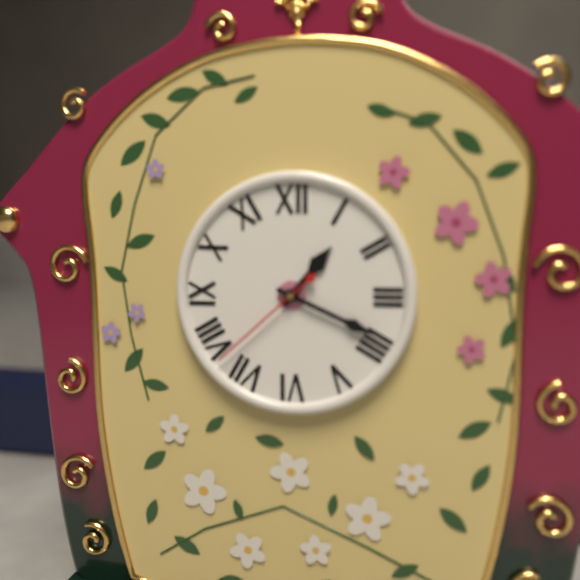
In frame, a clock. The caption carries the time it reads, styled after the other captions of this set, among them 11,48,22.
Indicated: 1,19,38
